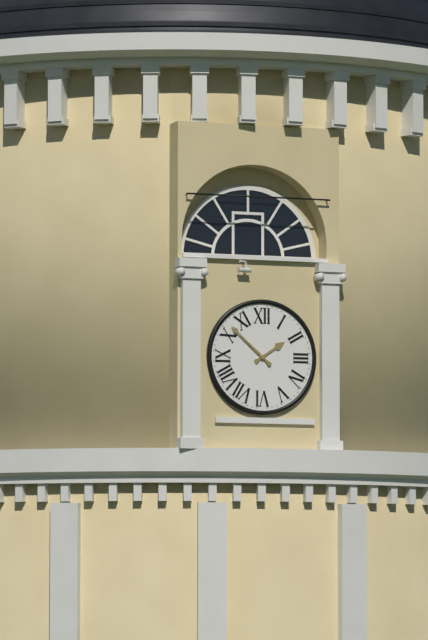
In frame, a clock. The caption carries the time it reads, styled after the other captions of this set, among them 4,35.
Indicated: 1,52
